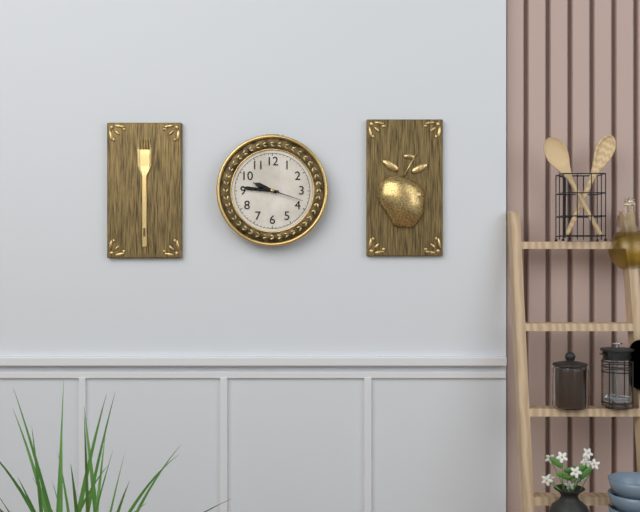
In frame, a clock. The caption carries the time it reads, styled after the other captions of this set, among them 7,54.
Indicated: 9,46
